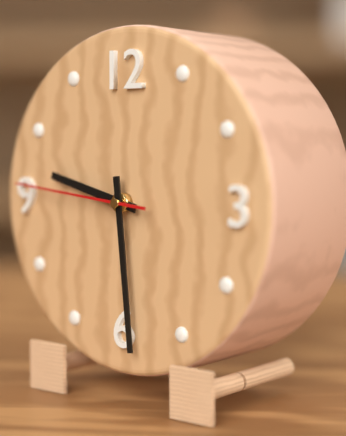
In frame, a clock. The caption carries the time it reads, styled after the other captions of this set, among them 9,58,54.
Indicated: 9,29,46
